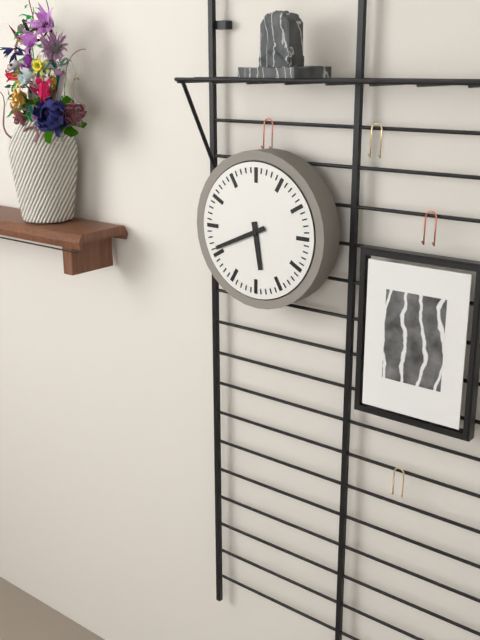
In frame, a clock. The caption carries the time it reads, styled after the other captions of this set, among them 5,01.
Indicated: 5,41
